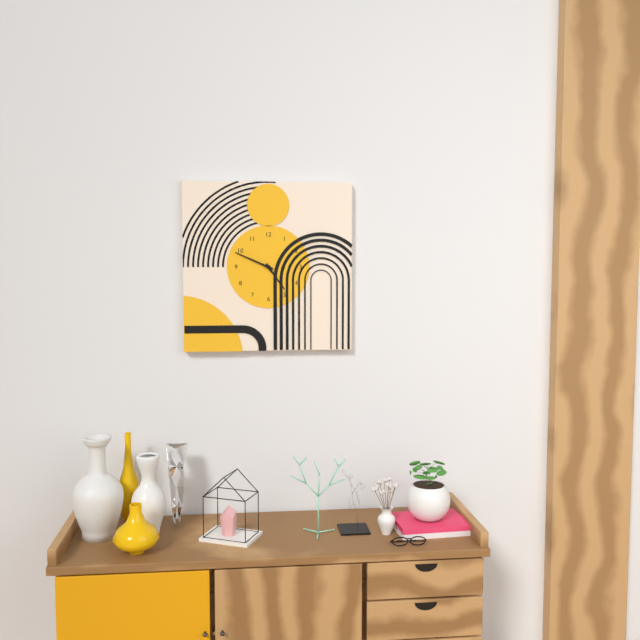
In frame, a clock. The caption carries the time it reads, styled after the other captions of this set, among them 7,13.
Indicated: 4,49
